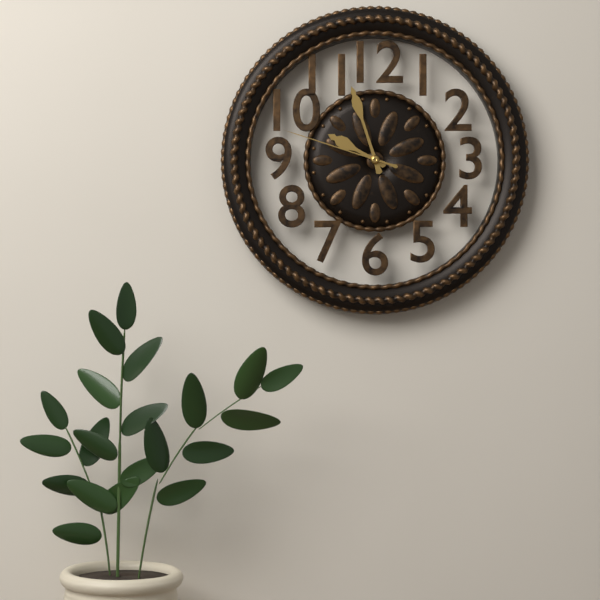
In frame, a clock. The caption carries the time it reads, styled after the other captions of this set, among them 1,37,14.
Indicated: 9,57,48
